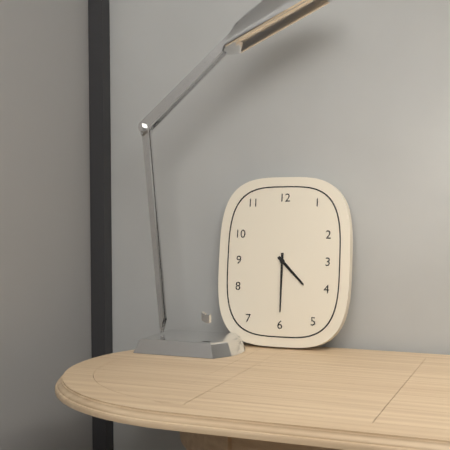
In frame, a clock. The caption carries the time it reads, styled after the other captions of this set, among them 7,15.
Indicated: 4,30
